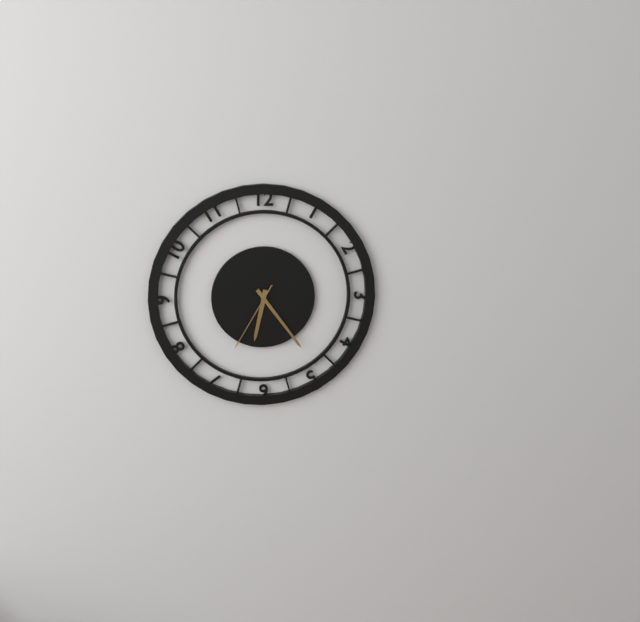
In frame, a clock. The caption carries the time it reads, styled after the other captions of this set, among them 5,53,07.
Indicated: 6,24,35
